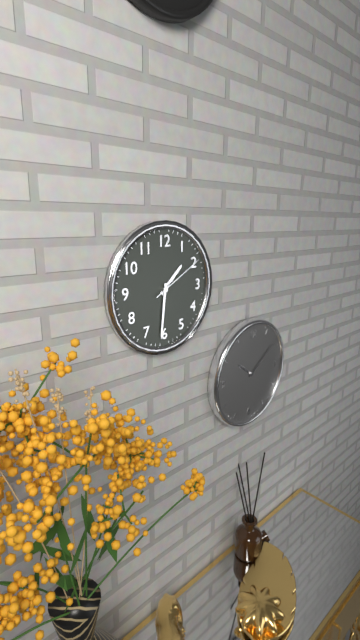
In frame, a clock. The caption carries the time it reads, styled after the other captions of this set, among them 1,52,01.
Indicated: 1,31,10
